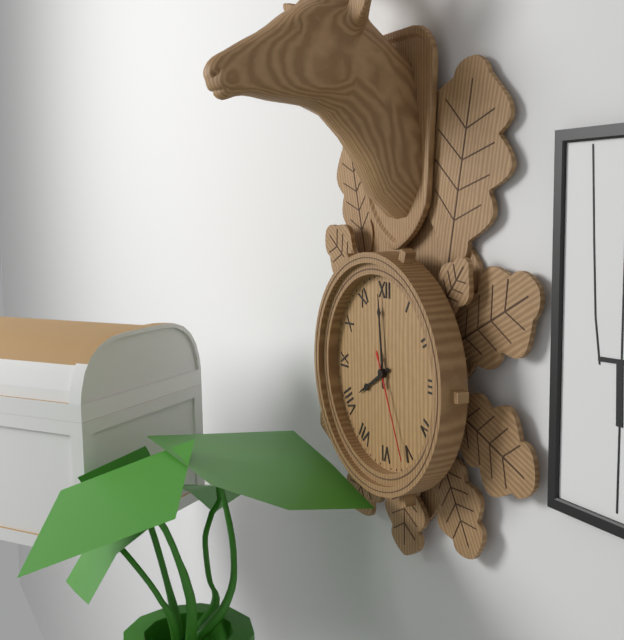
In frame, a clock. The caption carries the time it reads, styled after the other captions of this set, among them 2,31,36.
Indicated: 7,59,26
